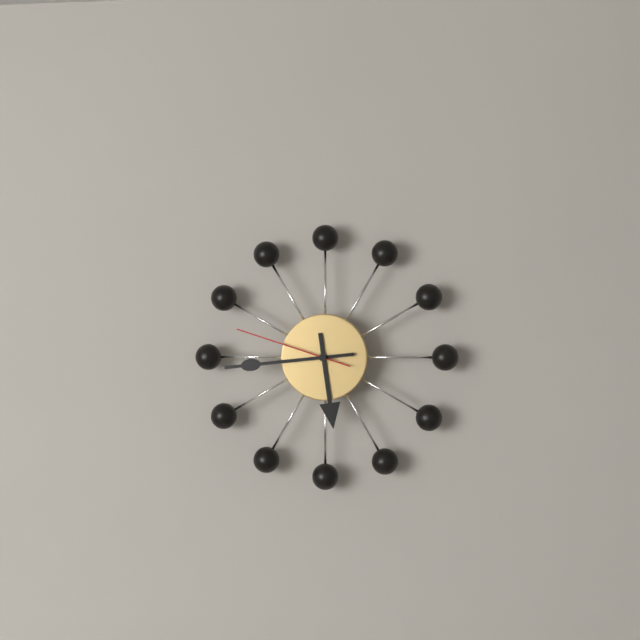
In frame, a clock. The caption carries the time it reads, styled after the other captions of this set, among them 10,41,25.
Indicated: 5,44,48
